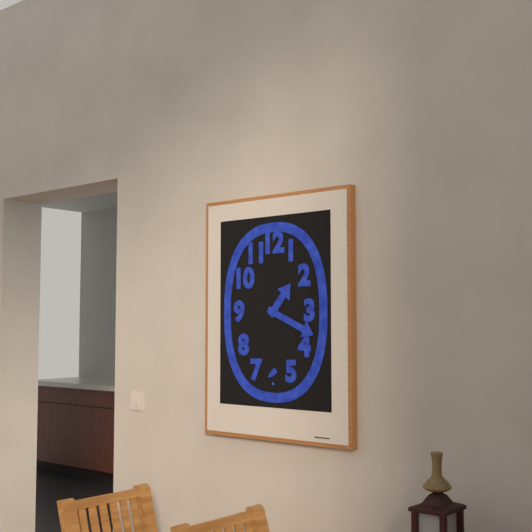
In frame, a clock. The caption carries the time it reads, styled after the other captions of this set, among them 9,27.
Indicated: 1,19
